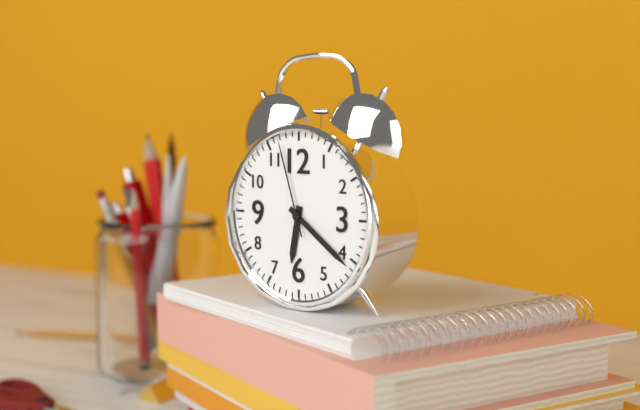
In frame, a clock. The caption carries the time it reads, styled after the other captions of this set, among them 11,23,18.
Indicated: 6,21,57
